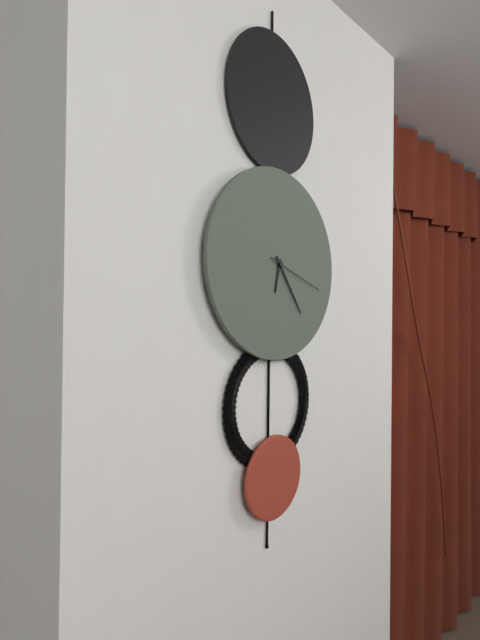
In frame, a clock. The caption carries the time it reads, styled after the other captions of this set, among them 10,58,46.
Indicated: 6,24,18
